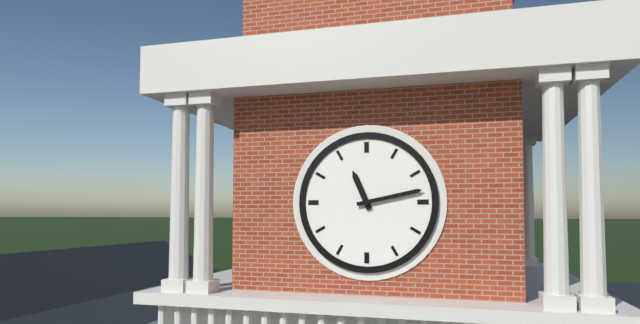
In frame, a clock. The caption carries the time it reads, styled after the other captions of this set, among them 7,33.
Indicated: 11,13
